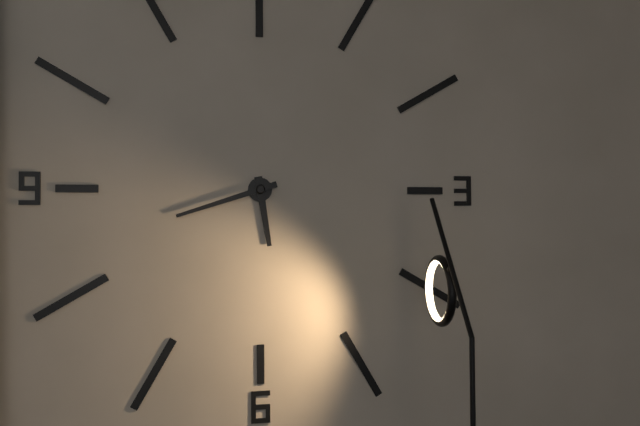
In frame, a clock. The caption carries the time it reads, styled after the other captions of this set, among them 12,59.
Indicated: 5,42
